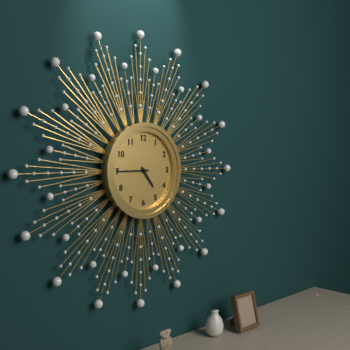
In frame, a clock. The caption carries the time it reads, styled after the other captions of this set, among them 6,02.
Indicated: 4,45
